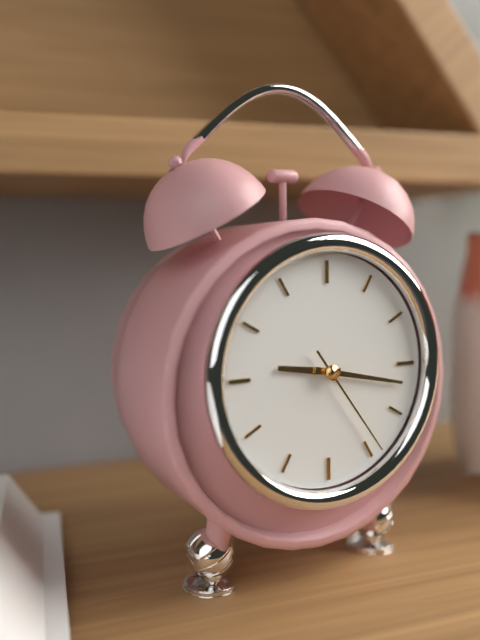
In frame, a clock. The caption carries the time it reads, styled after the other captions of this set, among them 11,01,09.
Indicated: 9,17,24
